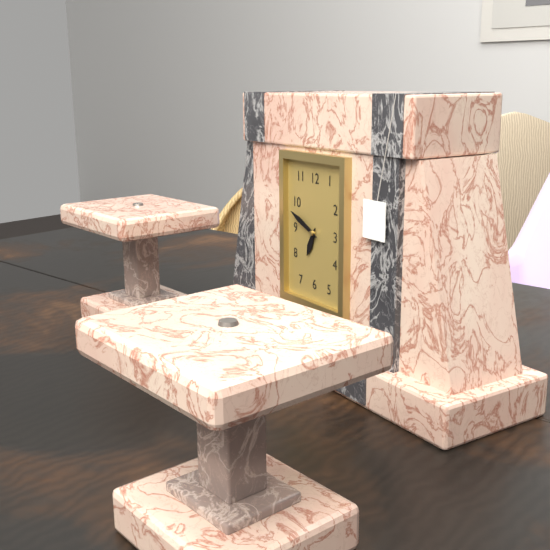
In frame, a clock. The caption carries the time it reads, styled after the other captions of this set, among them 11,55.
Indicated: 6,49
